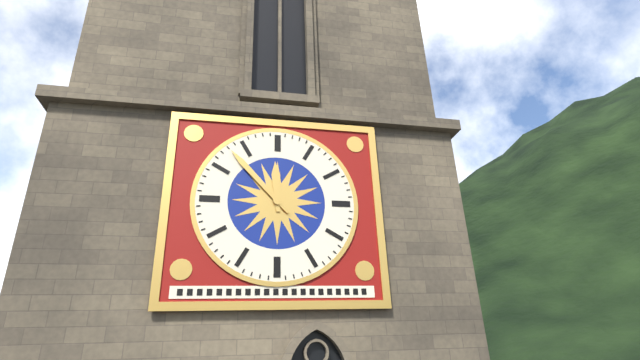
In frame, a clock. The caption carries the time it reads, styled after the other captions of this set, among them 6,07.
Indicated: 11,53
